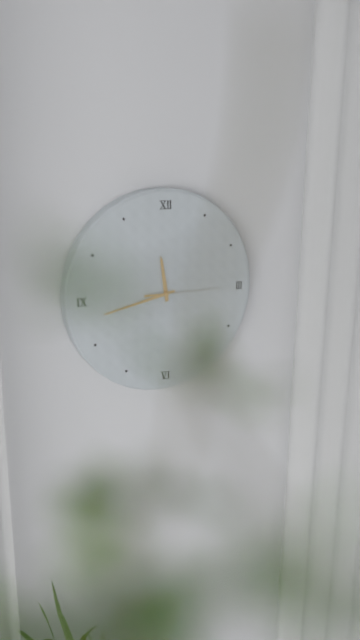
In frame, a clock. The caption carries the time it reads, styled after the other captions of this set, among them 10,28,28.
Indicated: 11,43,15
